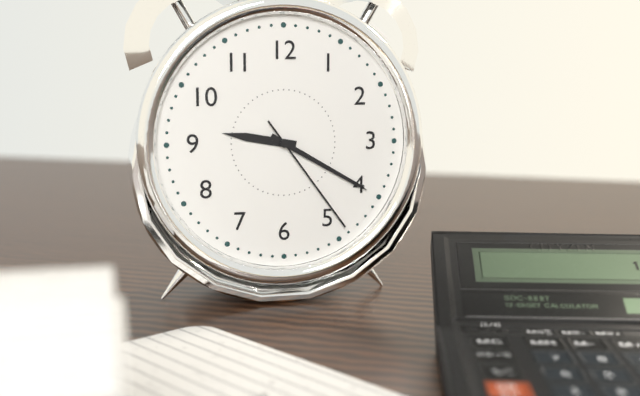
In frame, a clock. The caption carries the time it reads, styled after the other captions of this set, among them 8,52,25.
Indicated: 9,20,24
